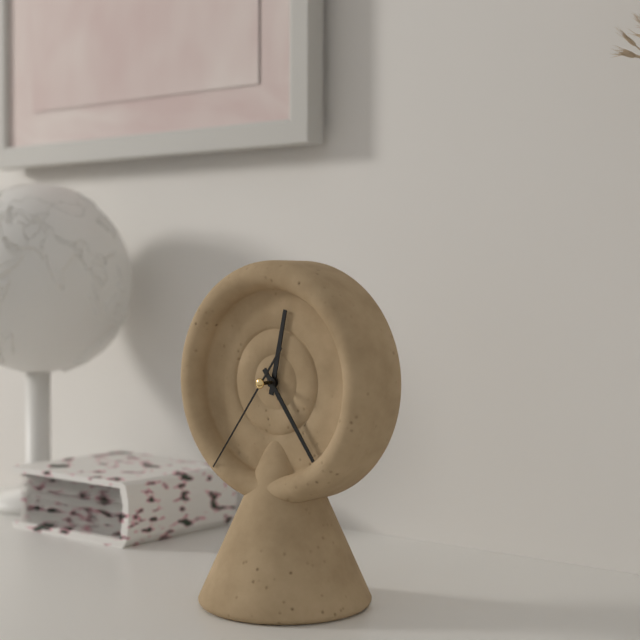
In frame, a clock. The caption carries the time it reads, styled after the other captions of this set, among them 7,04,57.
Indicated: 12,24,36
